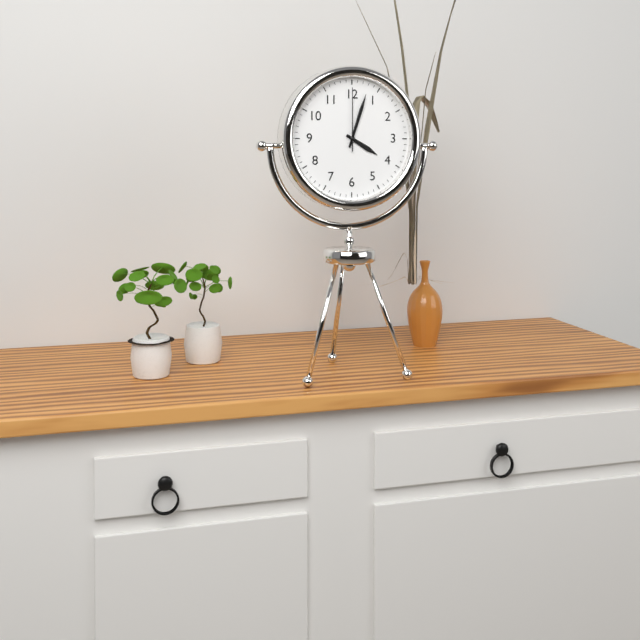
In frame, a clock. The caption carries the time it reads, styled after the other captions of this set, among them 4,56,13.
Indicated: 4,03,00
